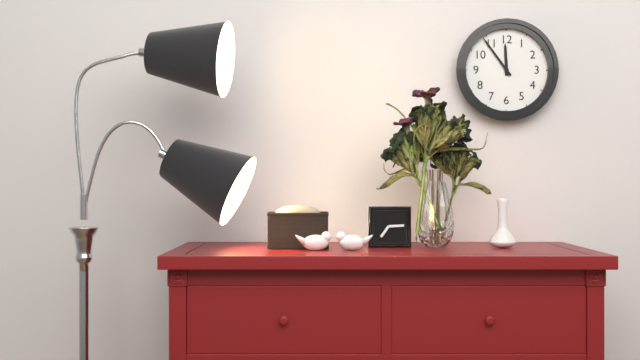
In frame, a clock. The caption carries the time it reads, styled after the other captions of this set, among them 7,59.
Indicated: 11,54
